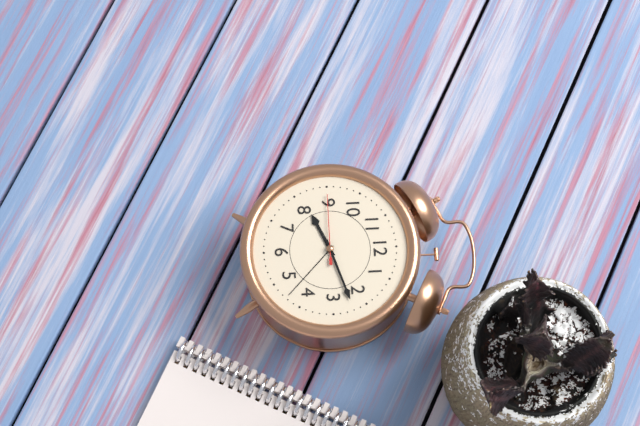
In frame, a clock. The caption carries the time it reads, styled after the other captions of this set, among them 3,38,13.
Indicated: 8,12,45
